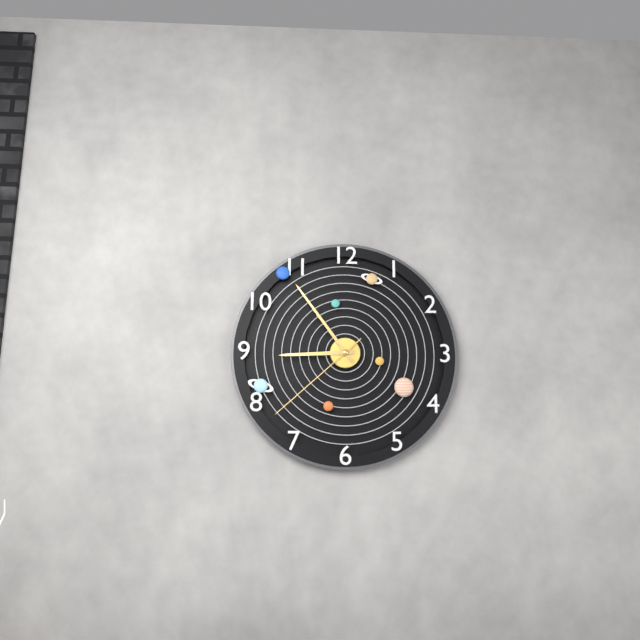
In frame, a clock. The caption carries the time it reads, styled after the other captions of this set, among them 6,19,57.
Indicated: 8,54,38
